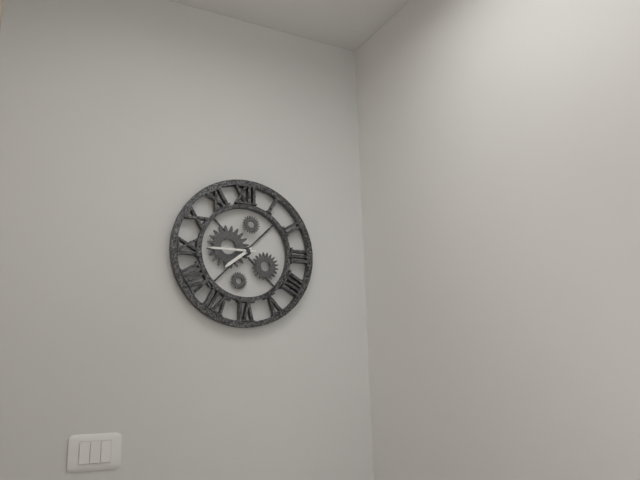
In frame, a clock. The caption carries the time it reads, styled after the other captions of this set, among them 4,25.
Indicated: 7,45
